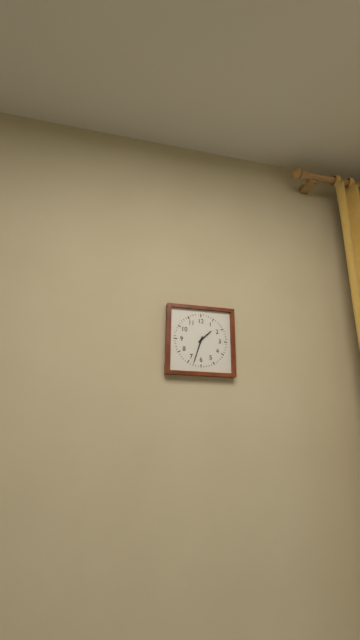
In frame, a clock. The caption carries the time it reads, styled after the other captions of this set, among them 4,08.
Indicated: 1,33
